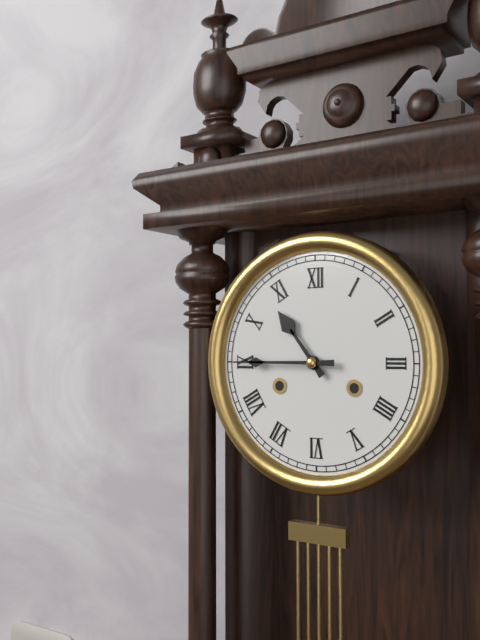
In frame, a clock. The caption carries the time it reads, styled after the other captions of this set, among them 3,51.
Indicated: 10,45
